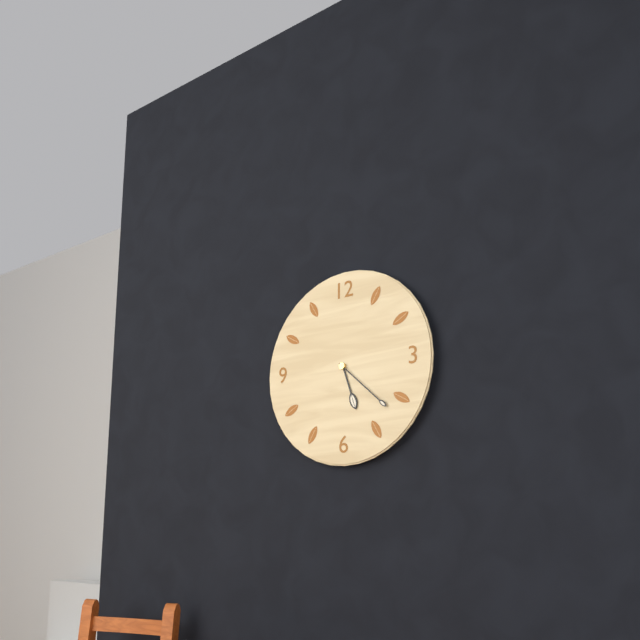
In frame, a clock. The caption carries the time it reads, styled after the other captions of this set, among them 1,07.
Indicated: 5,22
